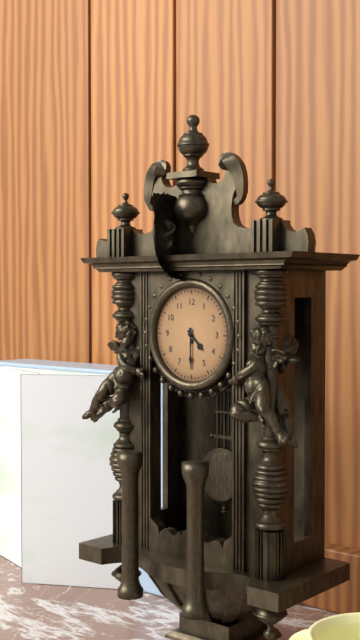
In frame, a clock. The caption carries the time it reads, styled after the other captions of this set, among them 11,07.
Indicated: 4,30
